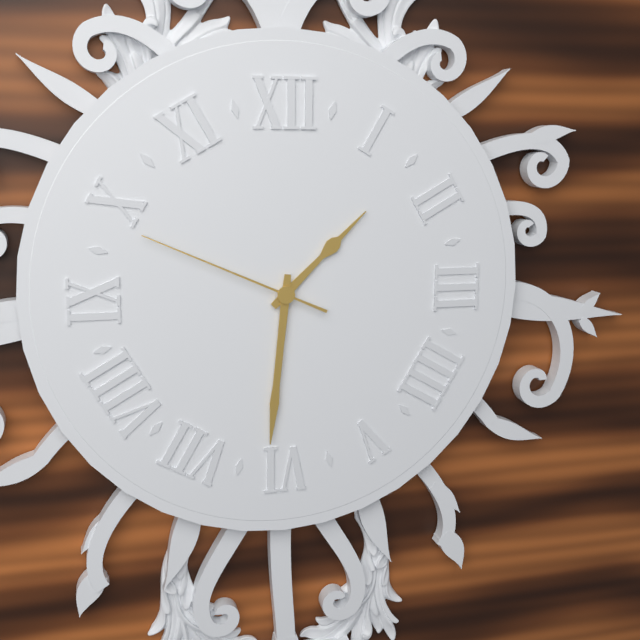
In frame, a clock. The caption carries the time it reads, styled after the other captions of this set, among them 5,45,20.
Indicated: 1,31,49
